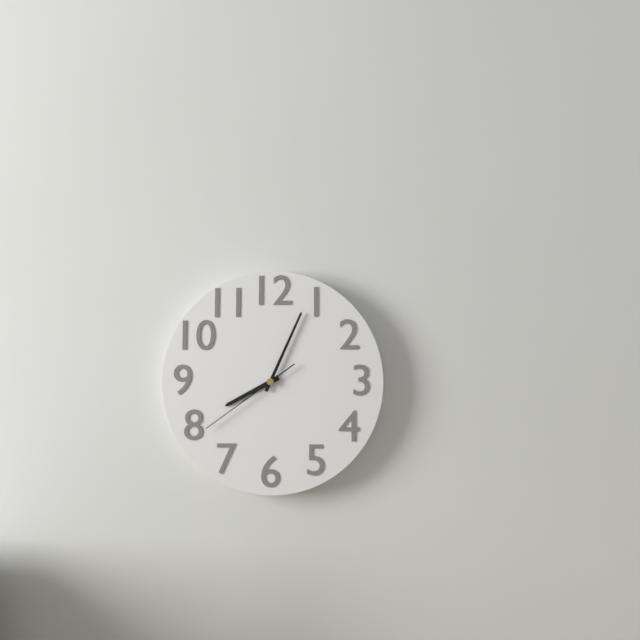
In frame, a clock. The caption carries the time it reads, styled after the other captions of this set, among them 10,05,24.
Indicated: 8,04,39
